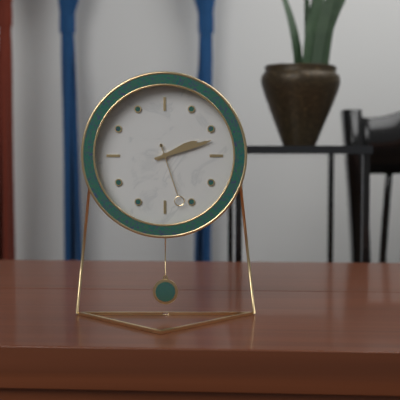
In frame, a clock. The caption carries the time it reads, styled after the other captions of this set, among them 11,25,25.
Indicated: 2,12,27
